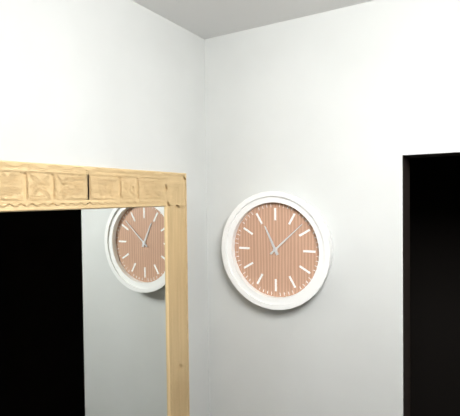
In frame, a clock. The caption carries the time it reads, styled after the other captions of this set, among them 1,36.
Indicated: 11,08
